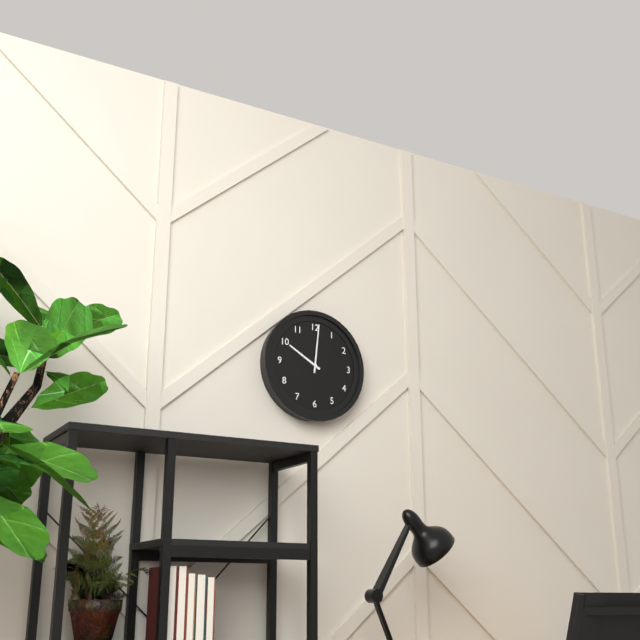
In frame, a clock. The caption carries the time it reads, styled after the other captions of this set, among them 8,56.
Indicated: 10,01
